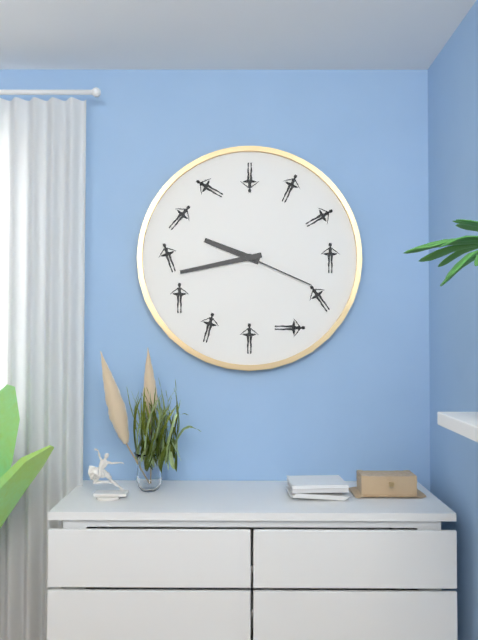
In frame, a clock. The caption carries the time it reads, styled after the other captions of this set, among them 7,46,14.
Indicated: 9,43,19
